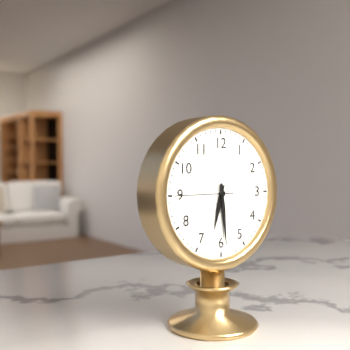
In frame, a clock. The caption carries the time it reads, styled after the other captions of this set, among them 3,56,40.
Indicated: 6,29,45
